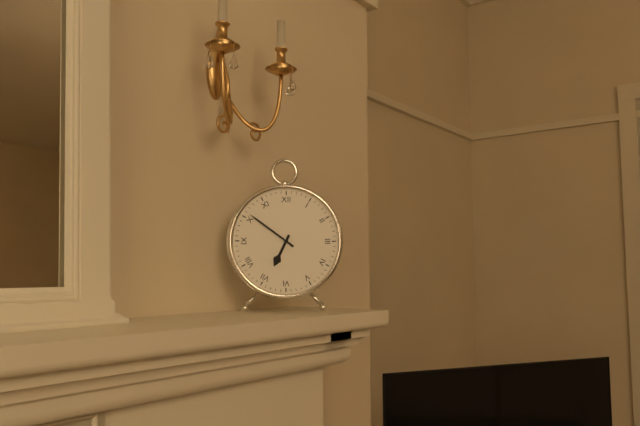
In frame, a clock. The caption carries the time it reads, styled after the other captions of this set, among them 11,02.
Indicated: 6,51
